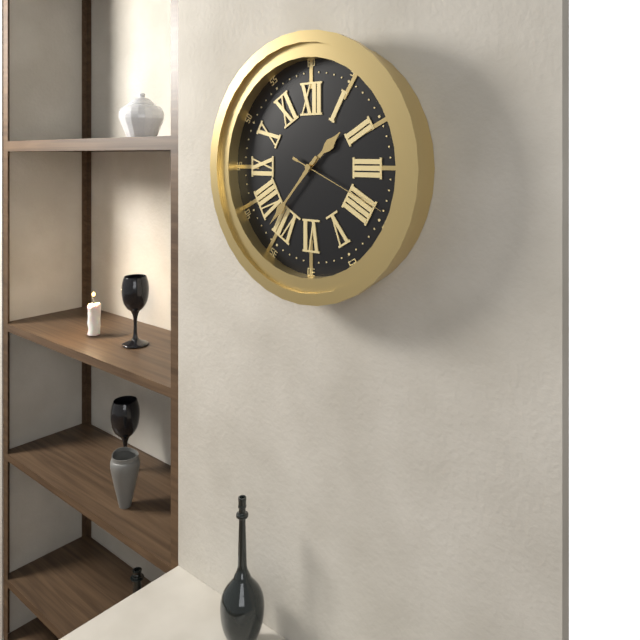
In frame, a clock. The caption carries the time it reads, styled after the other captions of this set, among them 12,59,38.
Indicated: 1,37,19
